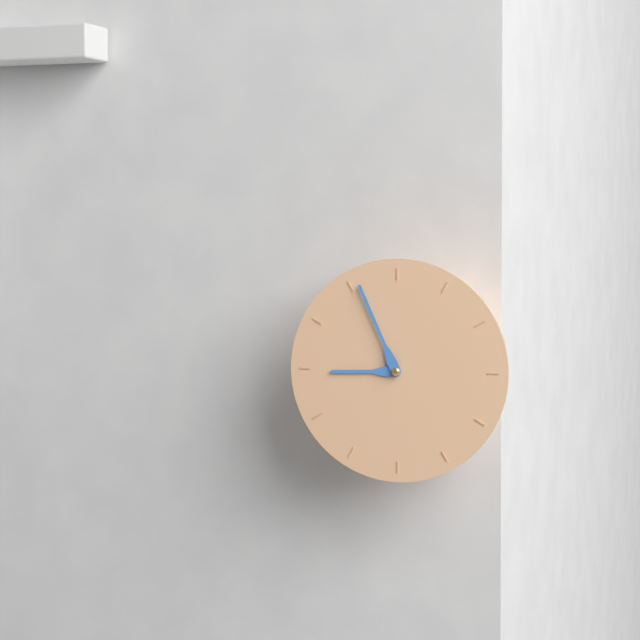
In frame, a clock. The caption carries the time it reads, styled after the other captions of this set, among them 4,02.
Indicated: 8,56
